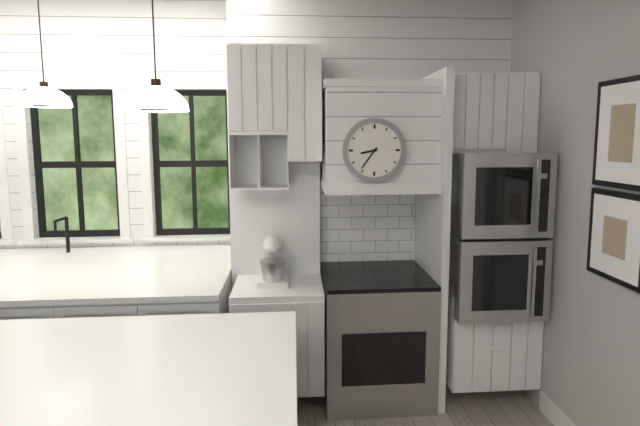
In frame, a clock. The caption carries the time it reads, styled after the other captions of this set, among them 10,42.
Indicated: 8,36
